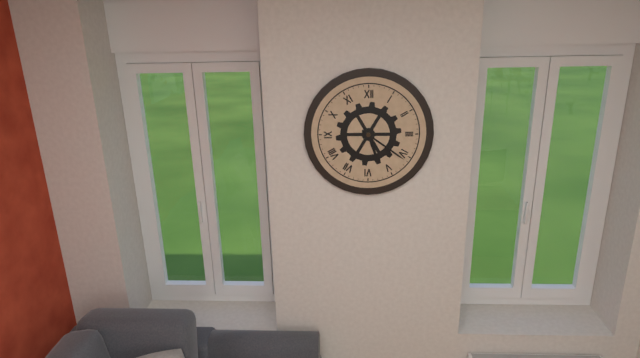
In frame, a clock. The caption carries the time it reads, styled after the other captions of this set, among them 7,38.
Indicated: 5,21
